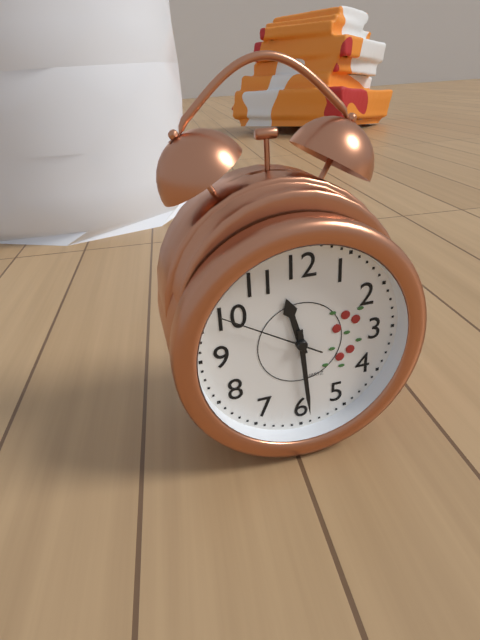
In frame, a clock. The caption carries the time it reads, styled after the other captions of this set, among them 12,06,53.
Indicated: 11,29,50
